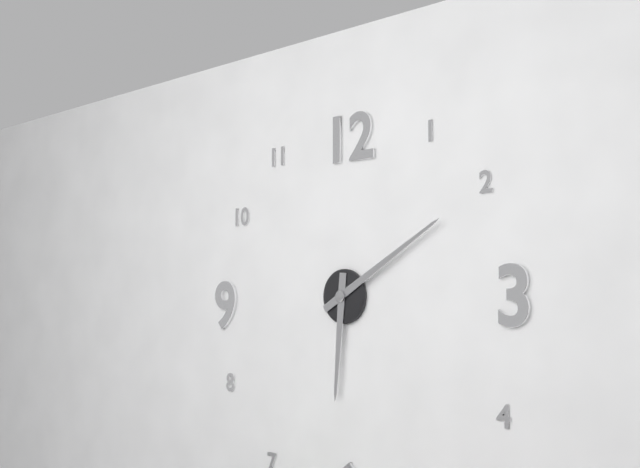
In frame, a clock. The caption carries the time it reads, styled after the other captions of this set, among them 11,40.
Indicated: 6,10
